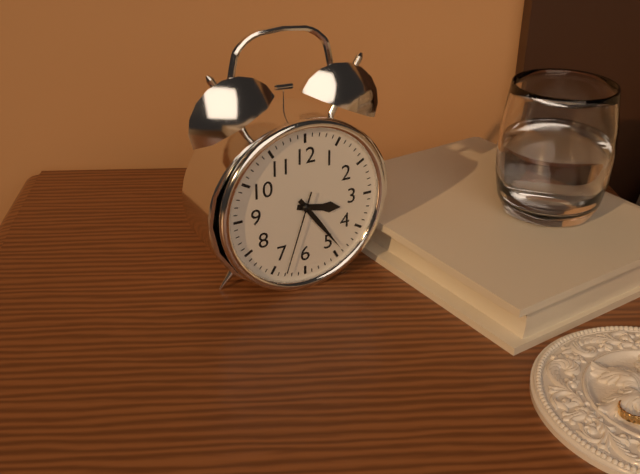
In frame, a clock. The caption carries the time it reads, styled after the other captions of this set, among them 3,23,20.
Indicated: 3,24,33
